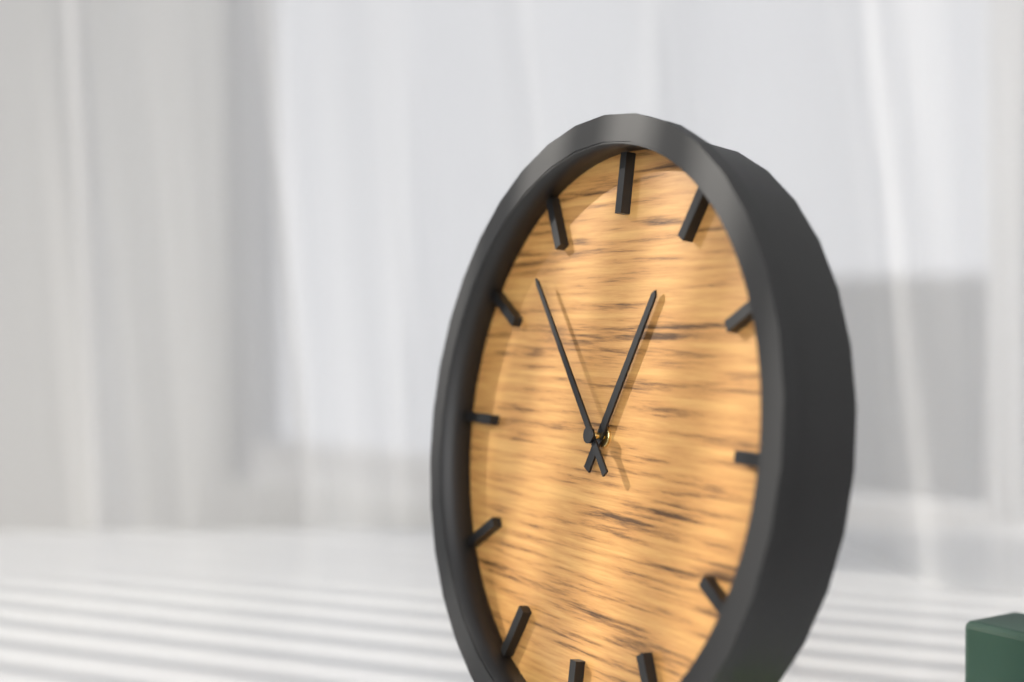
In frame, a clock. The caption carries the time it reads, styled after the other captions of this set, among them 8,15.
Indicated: 12,53
